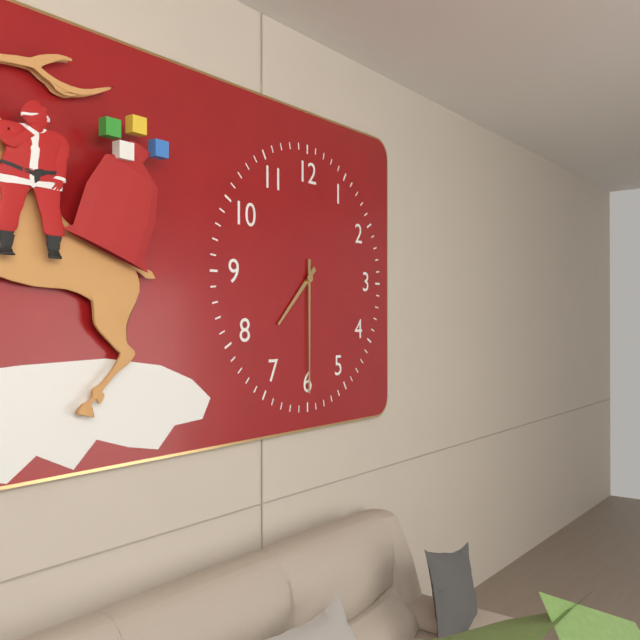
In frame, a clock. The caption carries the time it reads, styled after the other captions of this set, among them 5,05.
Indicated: 7,30
